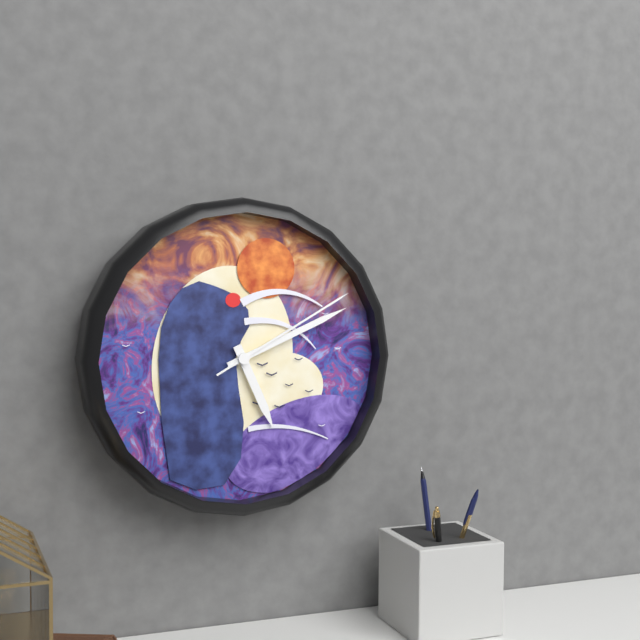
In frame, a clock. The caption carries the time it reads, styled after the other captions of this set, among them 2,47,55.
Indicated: 5,11,10
